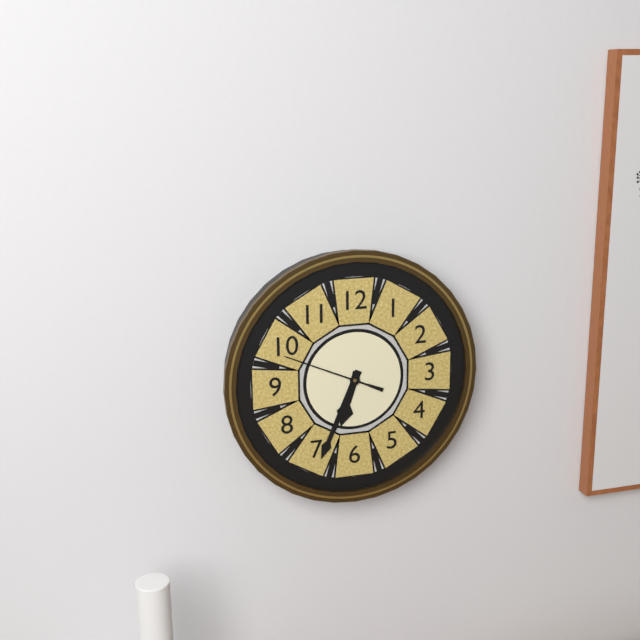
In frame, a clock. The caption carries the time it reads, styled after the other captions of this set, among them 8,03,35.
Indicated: 6,34,49
